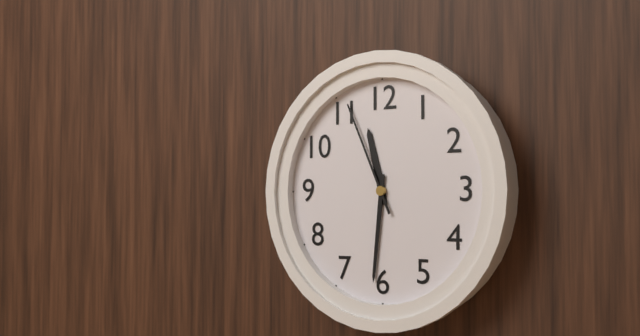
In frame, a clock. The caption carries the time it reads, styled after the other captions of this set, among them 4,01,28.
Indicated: 11,31,56
